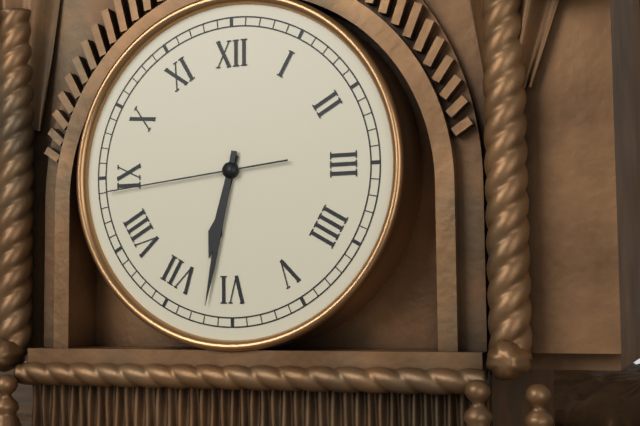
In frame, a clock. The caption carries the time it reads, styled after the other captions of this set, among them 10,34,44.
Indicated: 6,32,44
